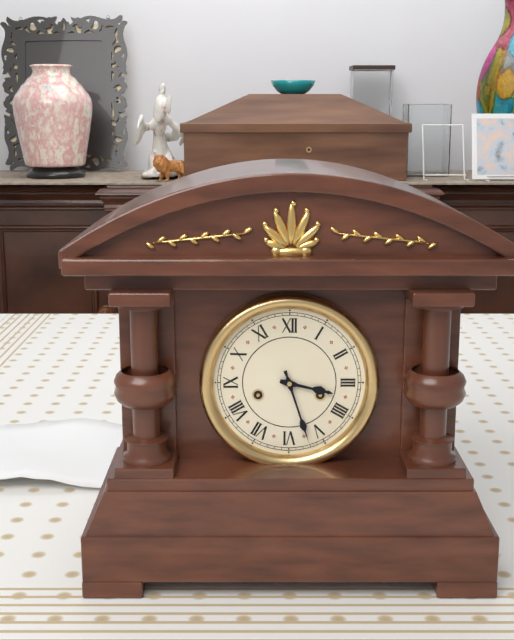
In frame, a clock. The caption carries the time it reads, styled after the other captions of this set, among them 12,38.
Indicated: 3,27
